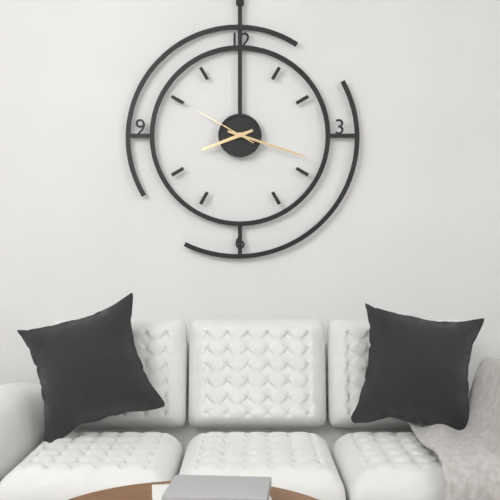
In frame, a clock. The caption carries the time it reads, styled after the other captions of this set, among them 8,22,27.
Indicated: 8,18,50
